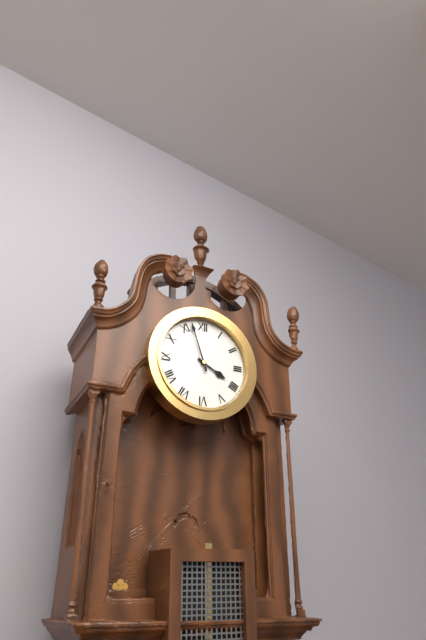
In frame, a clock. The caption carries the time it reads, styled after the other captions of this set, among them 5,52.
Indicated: 3,57
